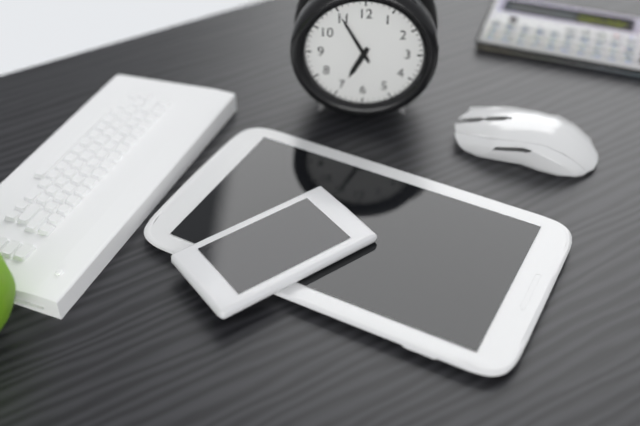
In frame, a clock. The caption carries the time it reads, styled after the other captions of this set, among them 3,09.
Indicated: 6,55
